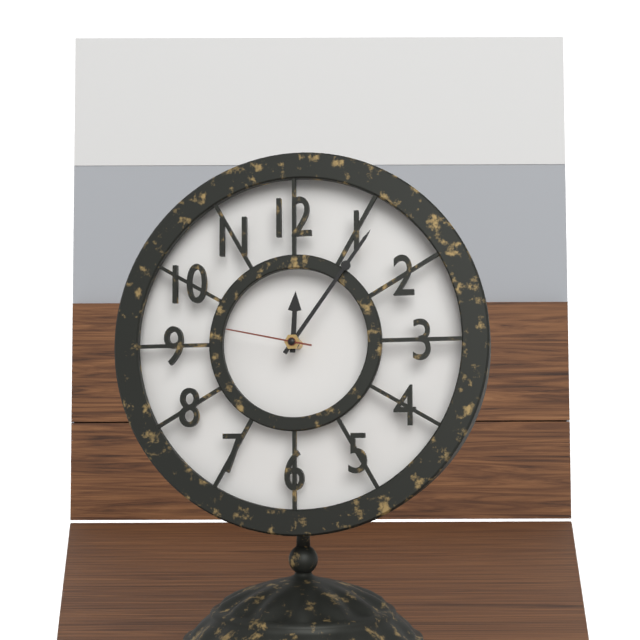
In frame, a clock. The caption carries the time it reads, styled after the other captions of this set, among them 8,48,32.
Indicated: 12,06,47
